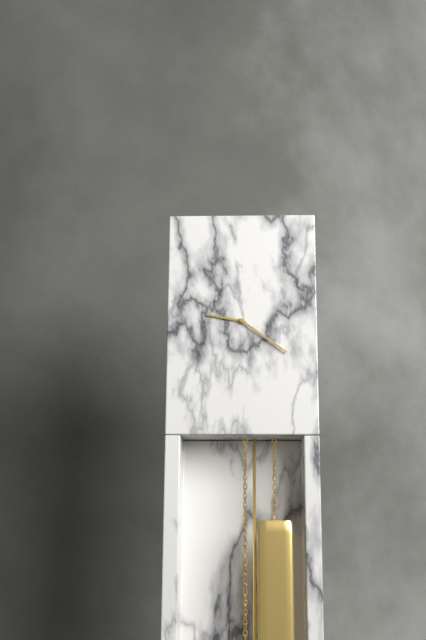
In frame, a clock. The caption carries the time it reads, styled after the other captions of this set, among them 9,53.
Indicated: 9,21
